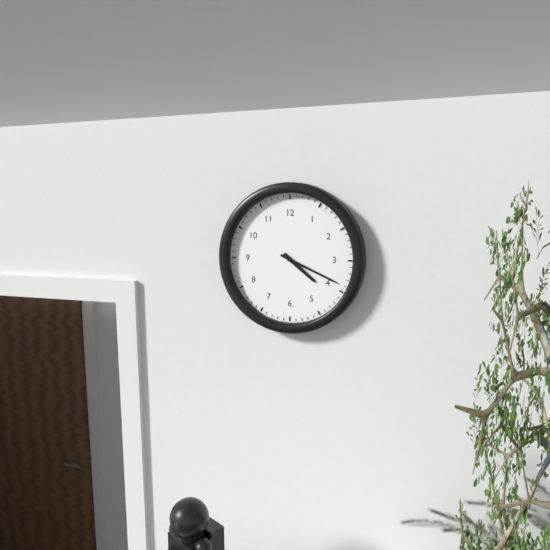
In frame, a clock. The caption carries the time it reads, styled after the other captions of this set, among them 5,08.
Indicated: 4,19
